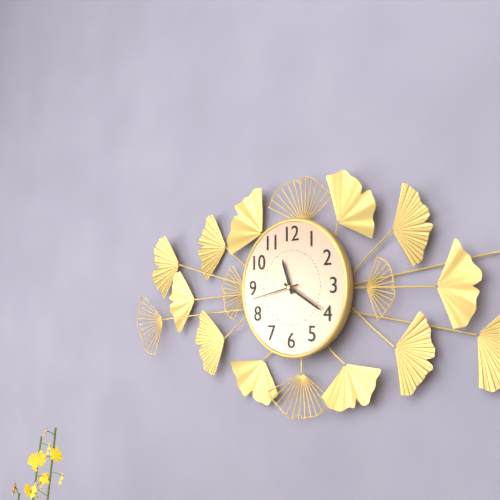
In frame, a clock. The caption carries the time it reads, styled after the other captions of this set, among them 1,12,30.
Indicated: 11,20,43
